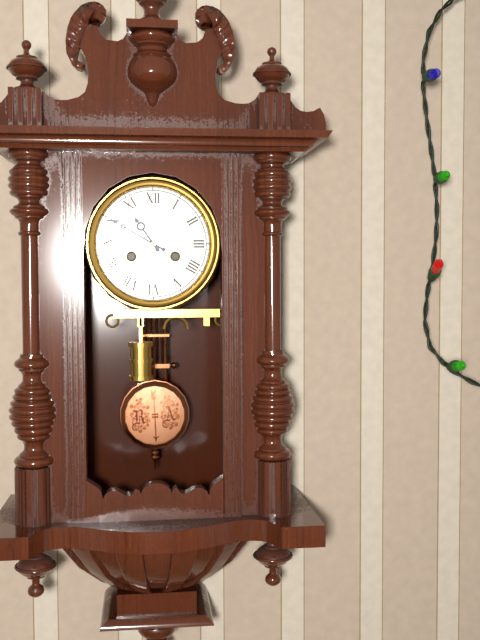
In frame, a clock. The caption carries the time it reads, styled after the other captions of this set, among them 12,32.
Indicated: 10,50
